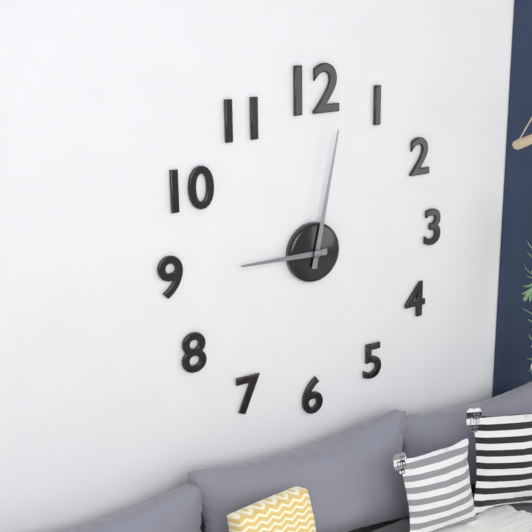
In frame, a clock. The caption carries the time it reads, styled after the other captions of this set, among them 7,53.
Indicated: 9,02
